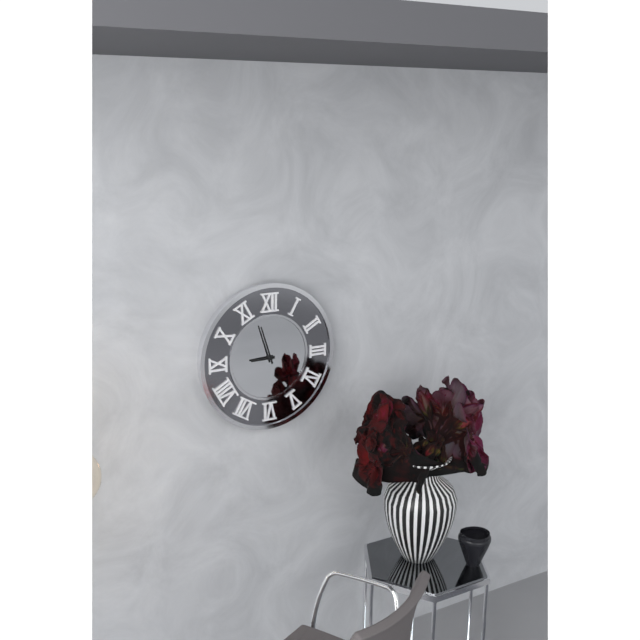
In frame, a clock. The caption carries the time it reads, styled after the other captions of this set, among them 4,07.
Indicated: 8,57
